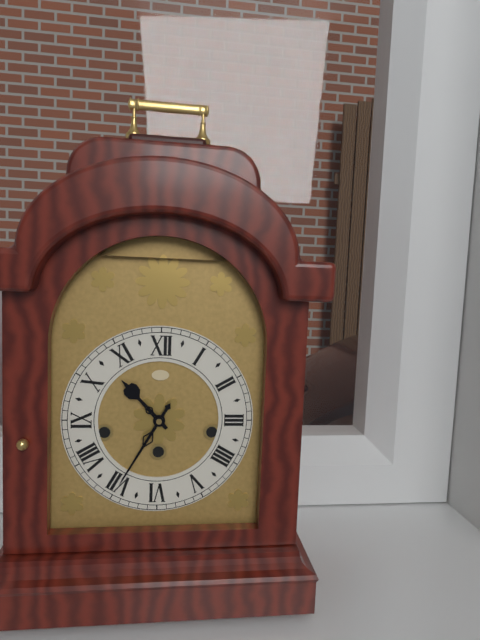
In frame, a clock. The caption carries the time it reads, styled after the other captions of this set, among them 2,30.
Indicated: 10,35
